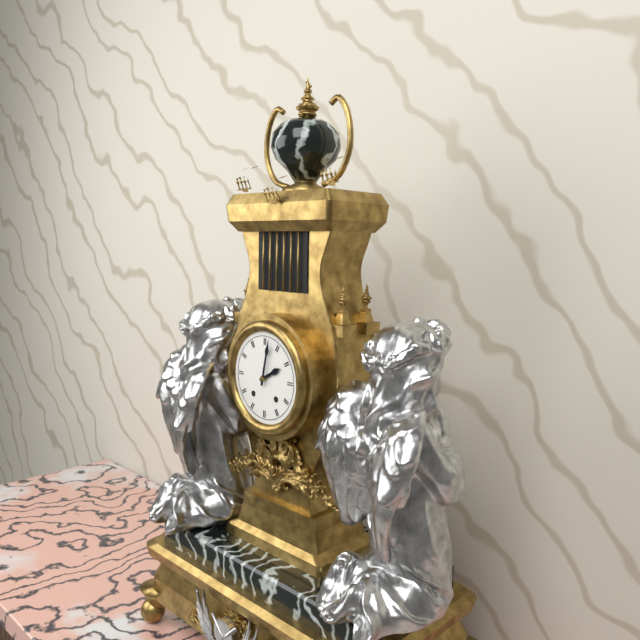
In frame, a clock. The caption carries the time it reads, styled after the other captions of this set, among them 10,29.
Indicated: 2,02
